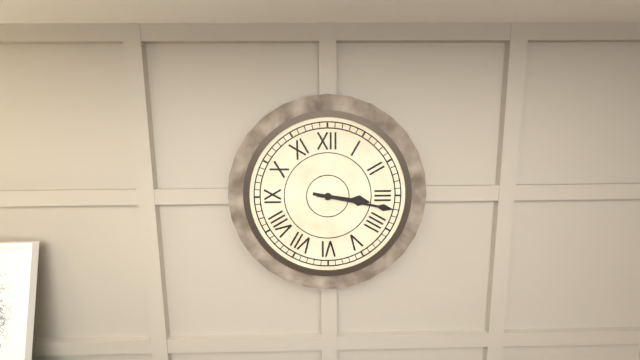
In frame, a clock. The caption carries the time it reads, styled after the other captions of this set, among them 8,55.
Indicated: 3,17
